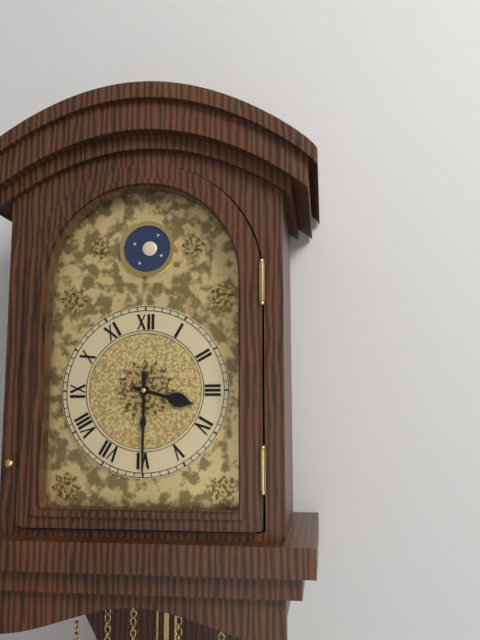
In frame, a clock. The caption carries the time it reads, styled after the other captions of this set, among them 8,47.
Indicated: 3,30
